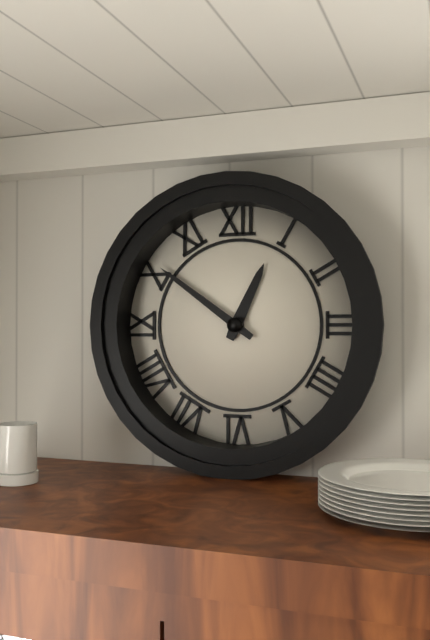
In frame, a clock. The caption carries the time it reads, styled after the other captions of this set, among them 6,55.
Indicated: 12,51
